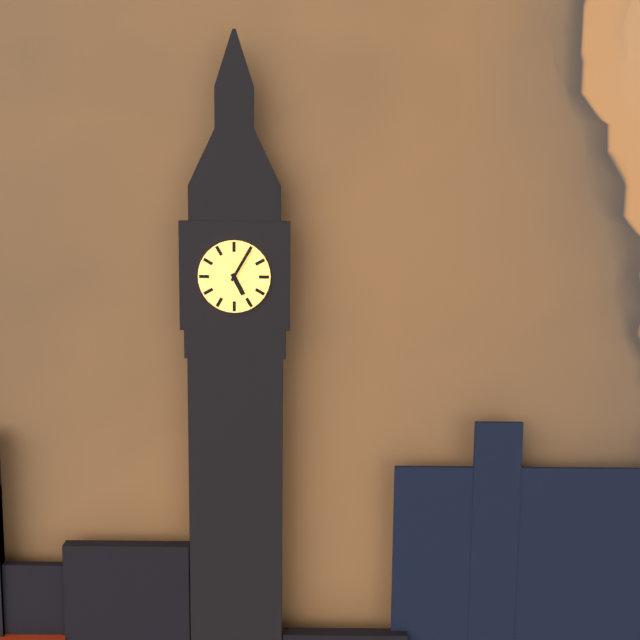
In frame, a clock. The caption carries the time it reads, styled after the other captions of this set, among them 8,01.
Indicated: 5,05
